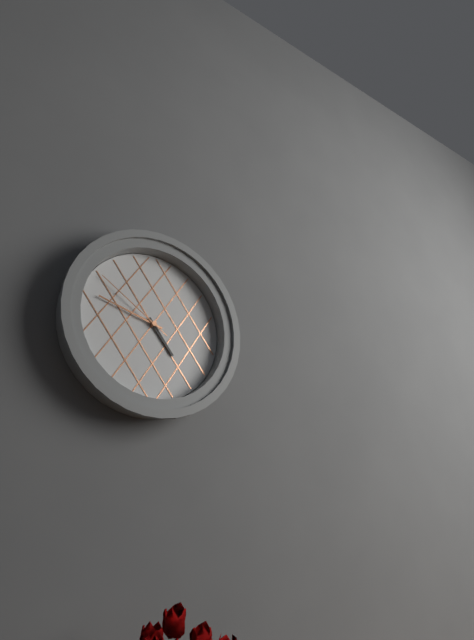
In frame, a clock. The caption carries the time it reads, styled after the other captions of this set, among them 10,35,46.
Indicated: 4,48,51
